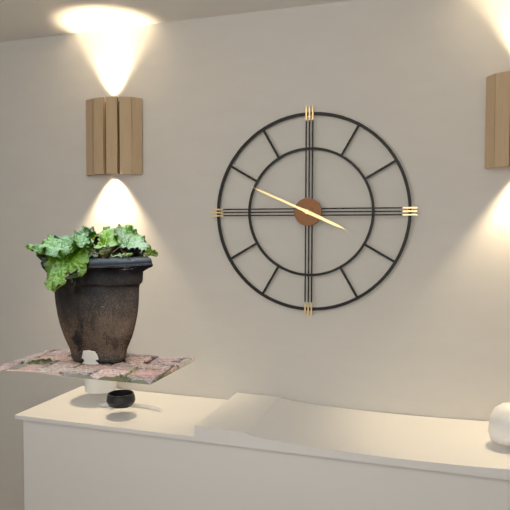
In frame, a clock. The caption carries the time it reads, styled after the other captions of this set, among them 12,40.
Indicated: 3,49
